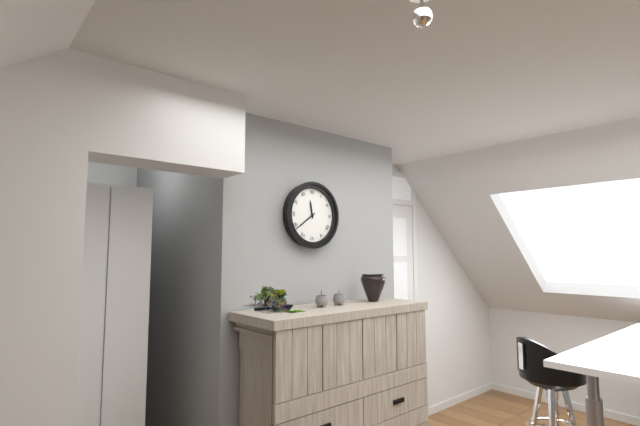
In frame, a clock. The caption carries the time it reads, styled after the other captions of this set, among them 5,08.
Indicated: 11,39
